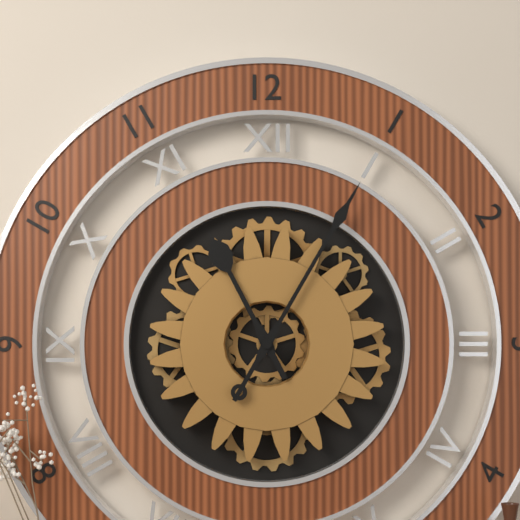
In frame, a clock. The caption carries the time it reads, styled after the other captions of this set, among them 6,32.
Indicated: 11,05
